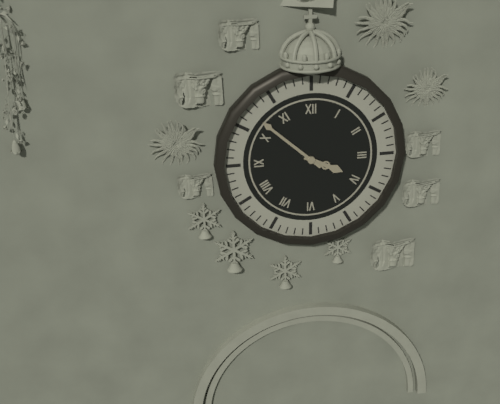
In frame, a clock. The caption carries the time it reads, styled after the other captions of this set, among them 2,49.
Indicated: 3,52
